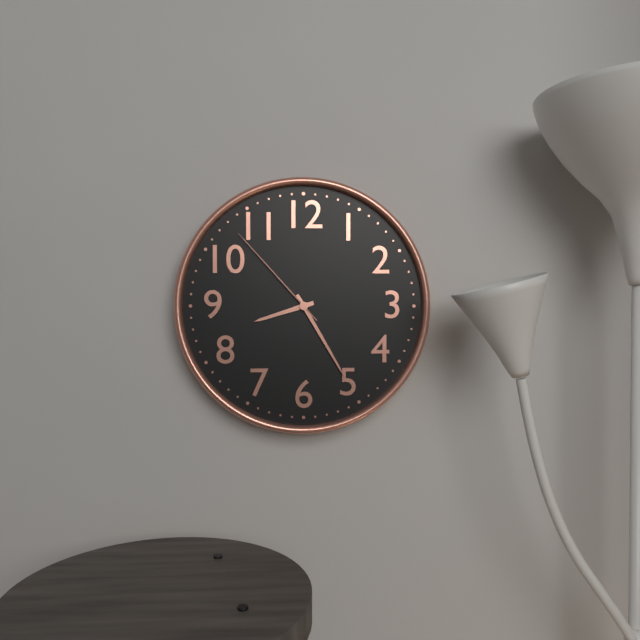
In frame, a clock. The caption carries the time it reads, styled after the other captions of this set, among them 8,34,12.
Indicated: 8,25,53
